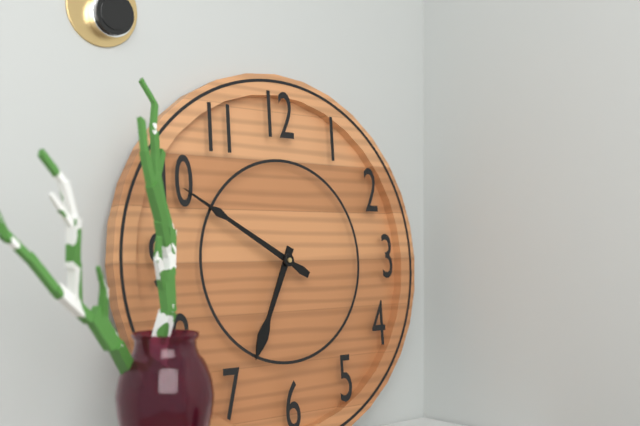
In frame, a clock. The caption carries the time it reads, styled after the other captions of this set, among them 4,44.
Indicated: 6,50
